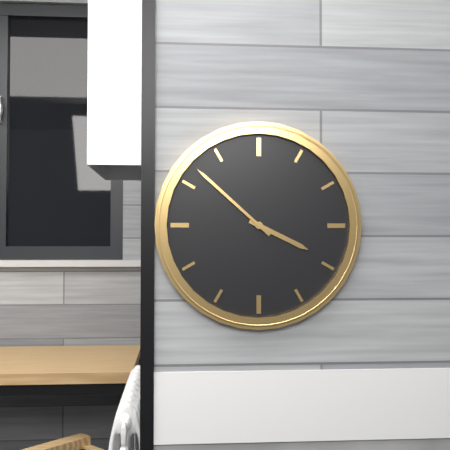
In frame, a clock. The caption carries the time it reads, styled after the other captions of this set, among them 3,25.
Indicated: 3,52
